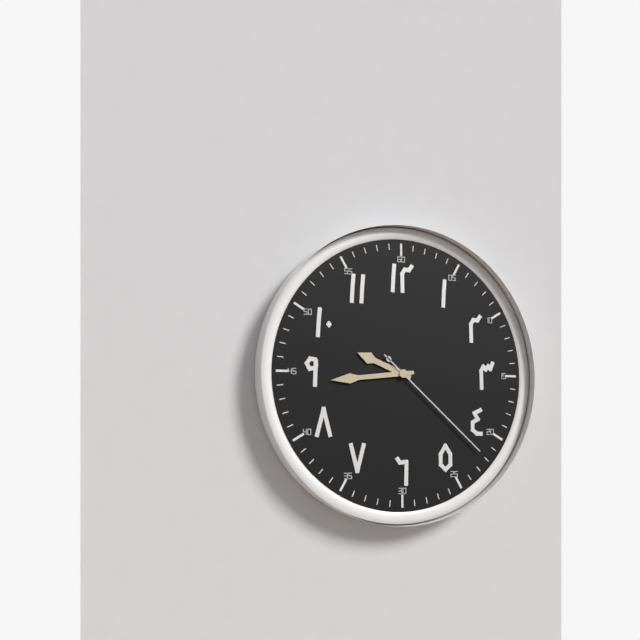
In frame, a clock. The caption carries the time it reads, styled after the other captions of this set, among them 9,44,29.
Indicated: 9,44,22
